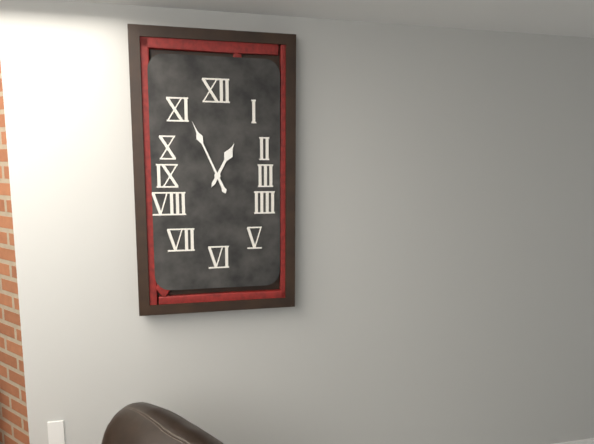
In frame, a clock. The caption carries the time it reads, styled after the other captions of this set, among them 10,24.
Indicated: 12,56
